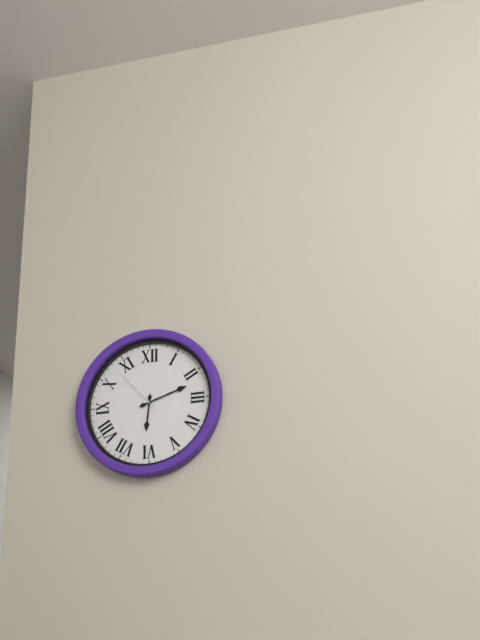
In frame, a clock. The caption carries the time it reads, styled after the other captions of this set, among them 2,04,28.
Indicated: 6,12,53
